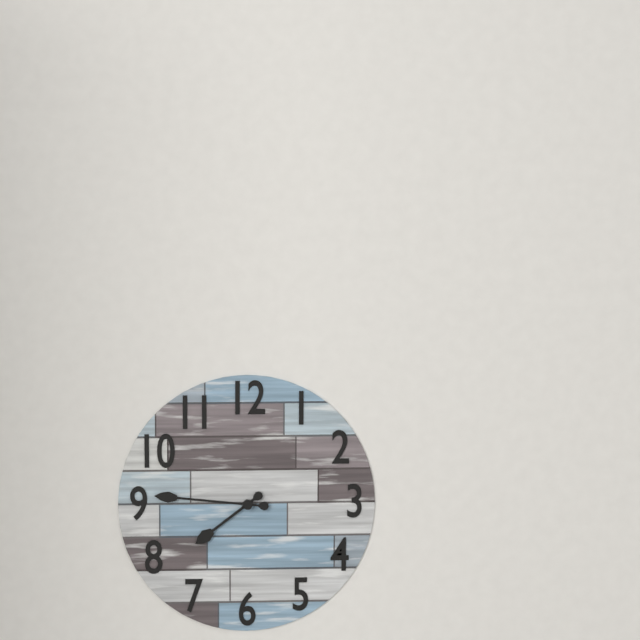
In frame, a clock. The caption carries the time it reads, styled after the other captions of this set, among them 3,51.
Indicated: 7,46
